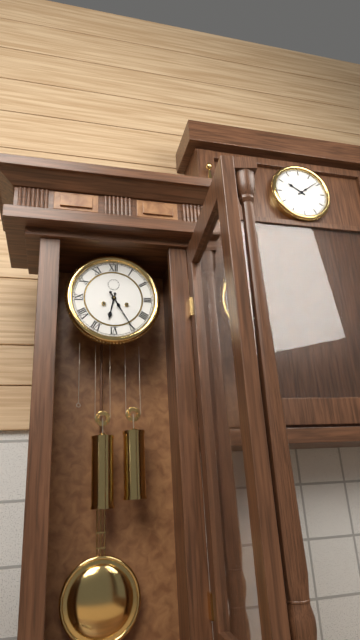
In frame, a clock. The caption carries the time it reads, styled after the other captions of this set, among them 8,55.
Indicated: 6,25
